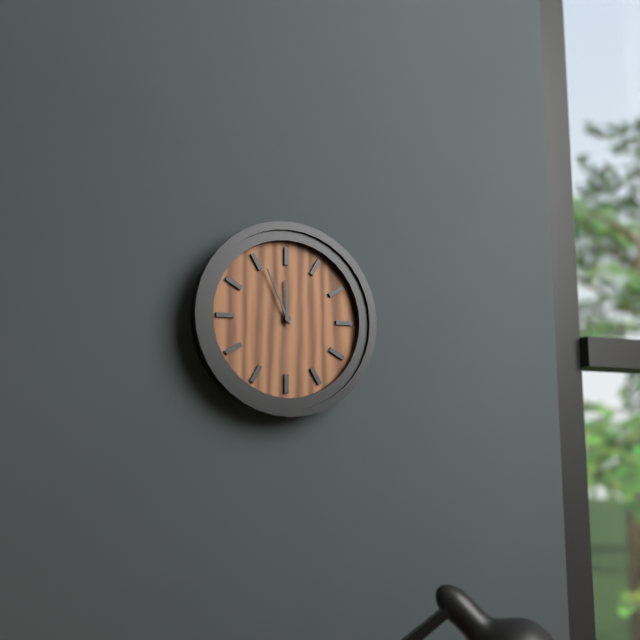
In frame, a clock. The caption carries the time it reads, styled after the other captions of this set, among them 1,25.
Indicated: 11,56
